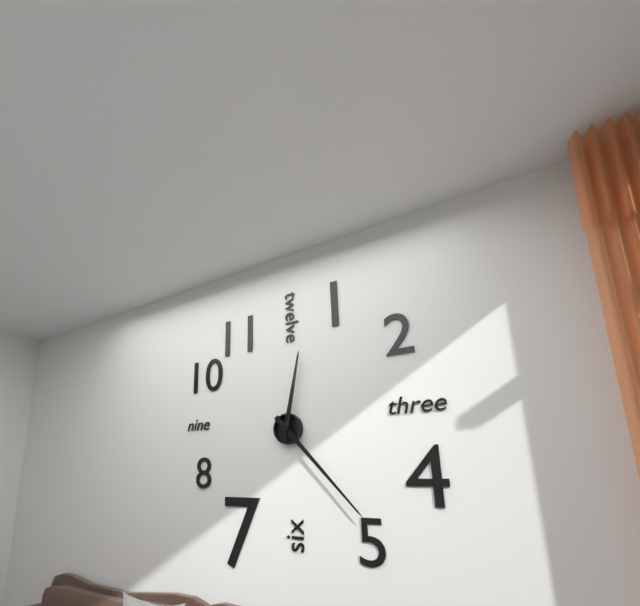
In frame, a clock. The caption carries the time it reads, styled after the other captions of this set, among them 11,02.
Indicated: 12,23
